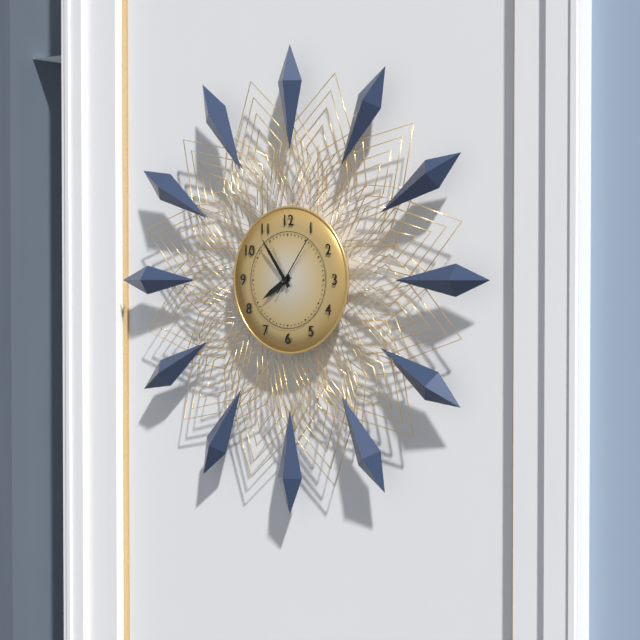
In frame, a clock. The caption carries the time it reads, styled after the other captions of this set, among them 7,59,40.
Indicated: 7,54,06
